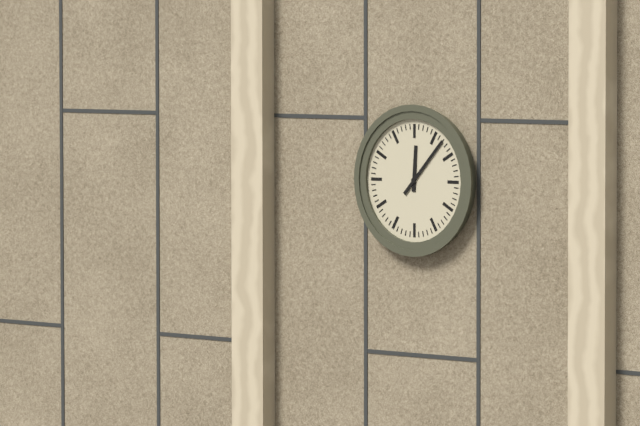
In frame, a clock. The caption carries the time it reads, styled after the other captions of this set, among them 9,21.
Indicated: 12,07
